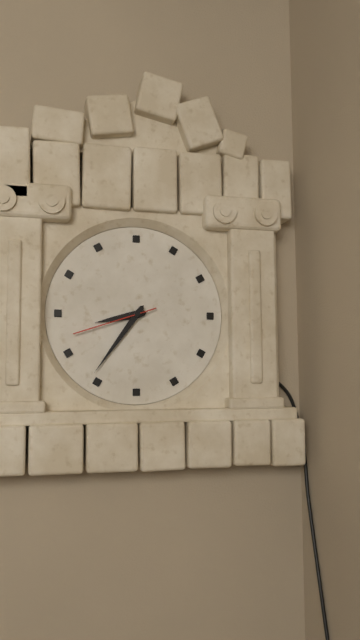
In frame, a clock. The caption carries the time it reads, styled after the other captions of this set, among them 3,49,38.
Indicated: 8,36,42
